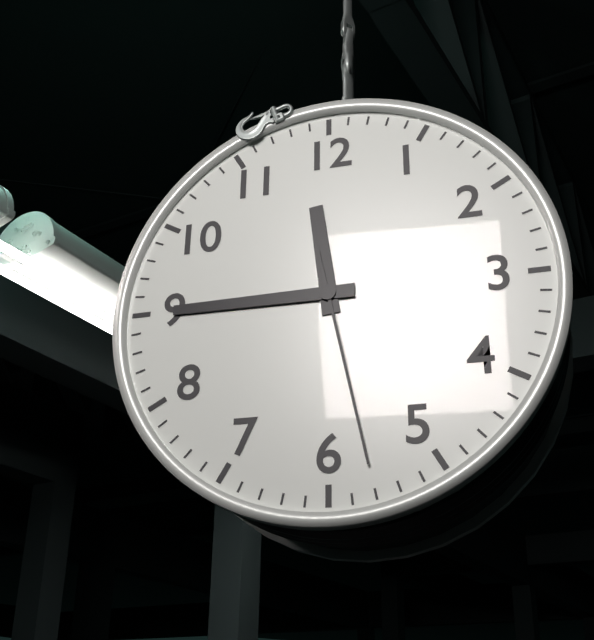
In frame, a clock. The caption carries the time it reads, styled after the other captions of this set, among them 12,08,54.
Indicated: 11,45,28
